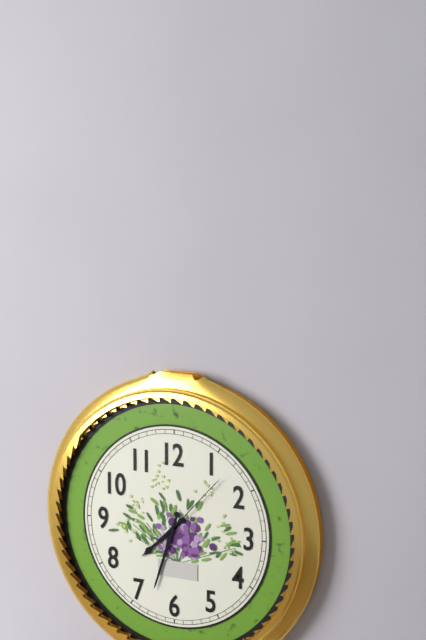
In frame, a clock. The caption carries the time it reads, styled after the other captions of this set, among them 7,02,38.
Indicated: 7,33,07
